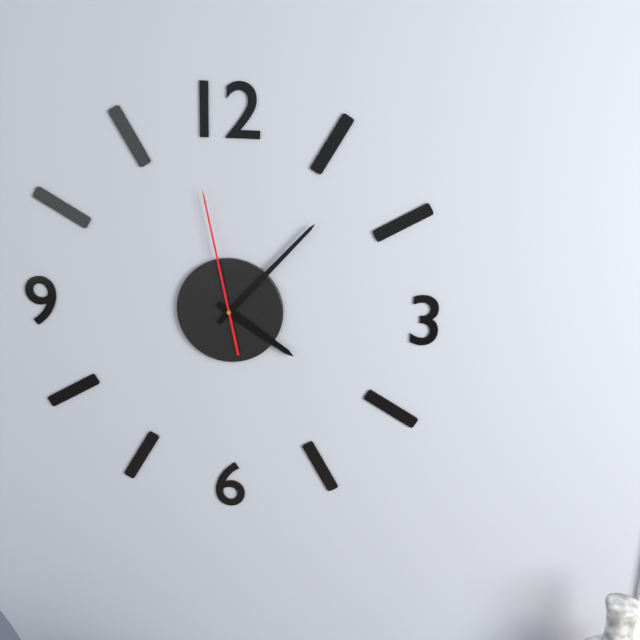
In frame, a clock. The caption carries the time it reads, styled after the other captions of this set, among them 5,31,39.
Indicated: 4,07,58
